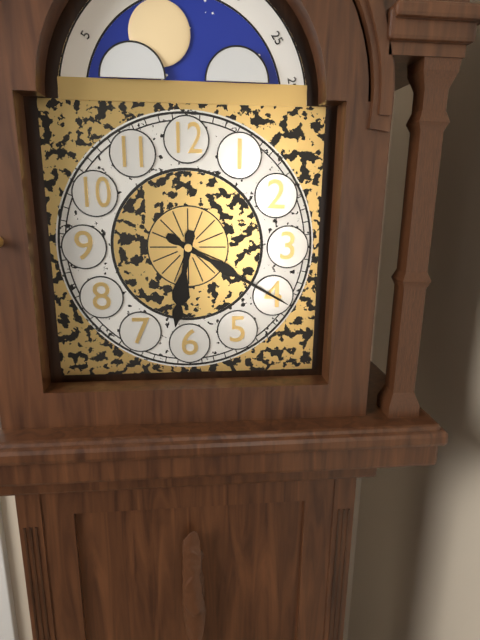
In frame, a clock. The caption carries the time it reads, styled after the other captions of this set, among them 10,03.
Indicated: 6,20
